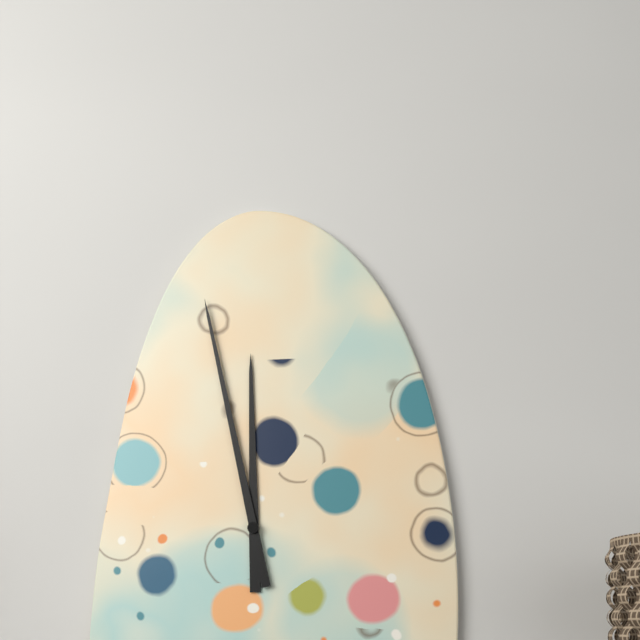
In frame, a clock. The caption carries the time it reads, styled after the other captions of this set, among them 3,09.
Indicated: 11,58
